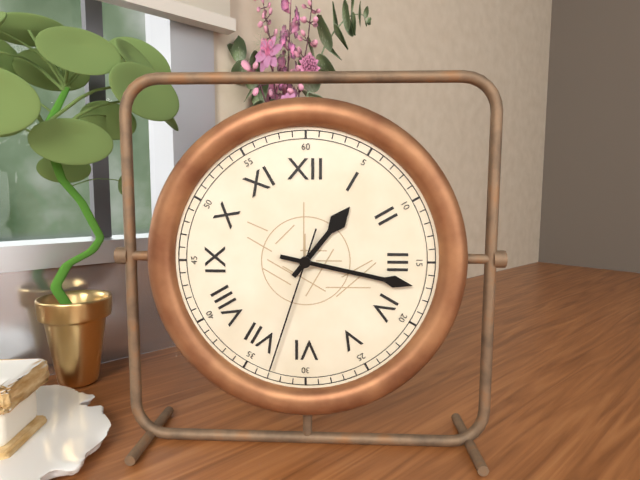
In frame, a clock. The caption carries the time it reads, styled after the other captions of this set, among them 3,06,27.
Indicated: 1,17,33
